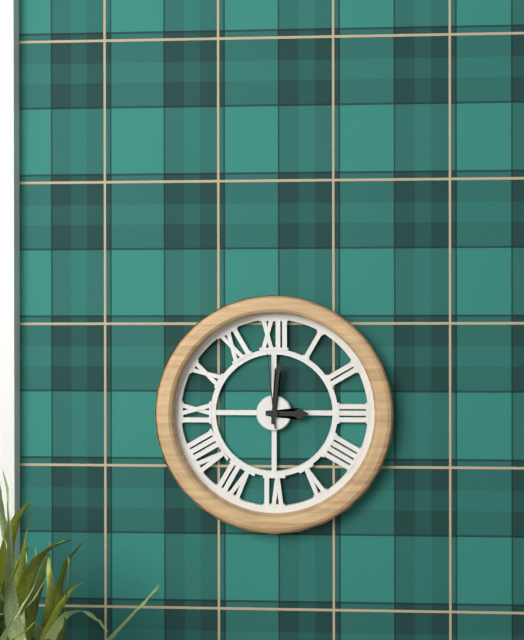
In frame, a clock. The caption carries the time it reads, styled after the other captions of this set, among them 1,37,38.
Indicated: 3,01,59
